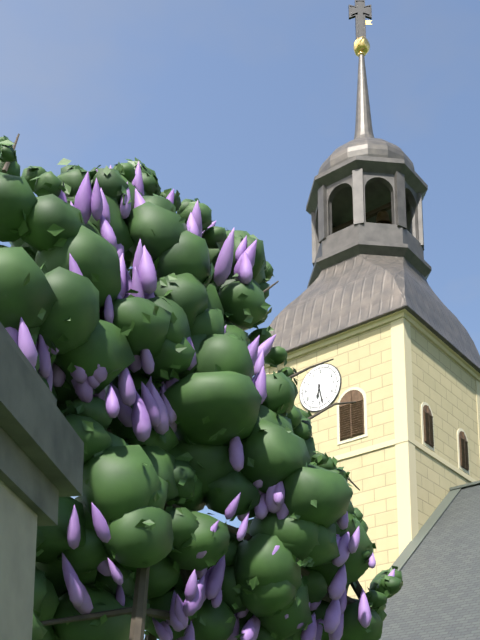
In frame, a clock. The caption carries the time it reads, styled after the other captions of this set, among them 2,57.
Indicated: 6,28
